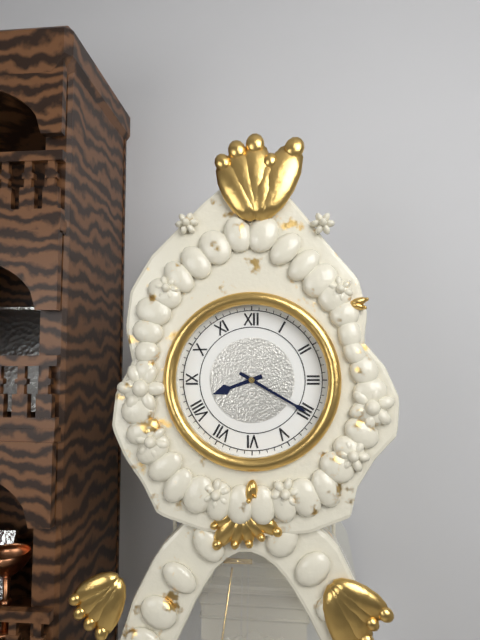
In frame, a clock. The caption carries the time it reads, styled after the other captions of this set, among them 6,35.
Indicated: 8,20
